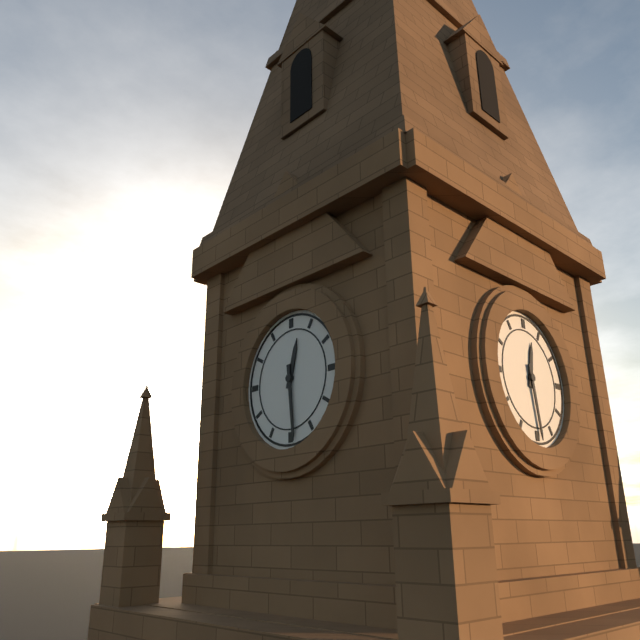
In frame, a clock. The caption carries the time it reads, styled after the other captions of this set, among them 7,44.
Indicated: 12,29
